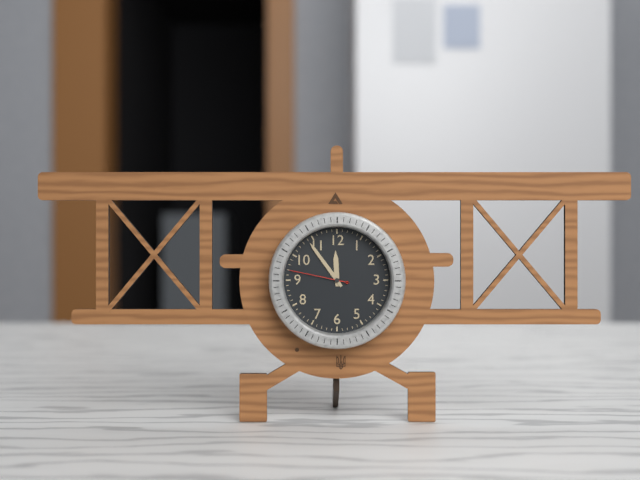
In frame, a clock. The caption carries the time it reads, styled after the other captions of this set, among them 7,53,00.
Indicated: 11,54,47
